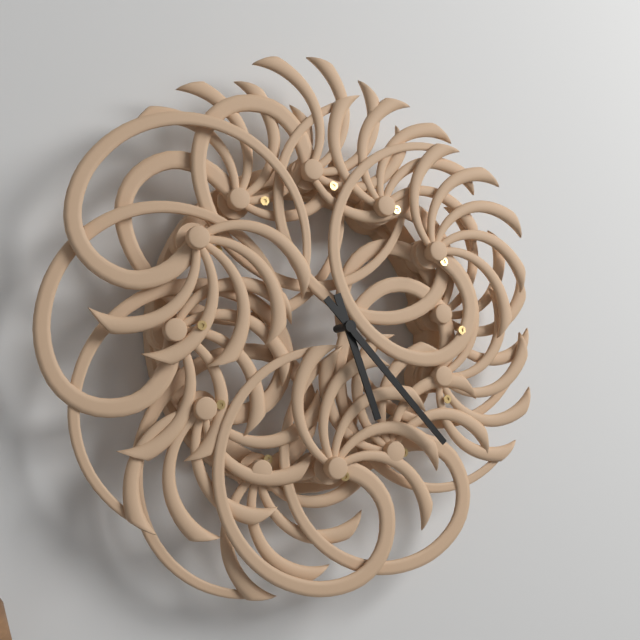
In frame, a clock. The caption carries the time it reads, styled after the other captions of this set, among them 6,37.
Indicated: 5,23
